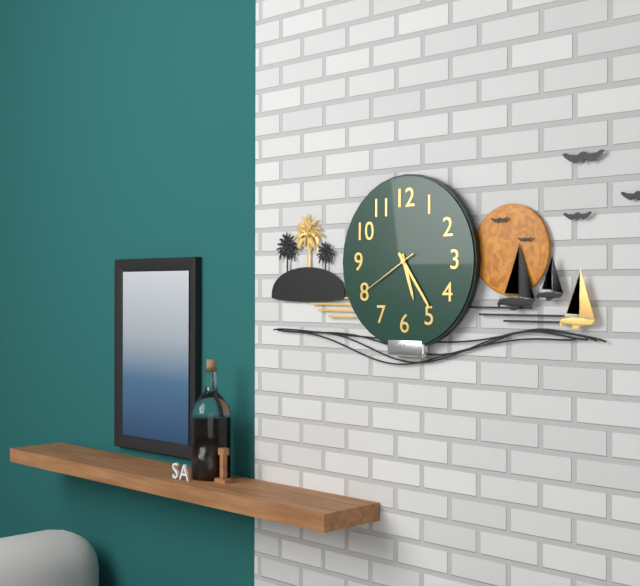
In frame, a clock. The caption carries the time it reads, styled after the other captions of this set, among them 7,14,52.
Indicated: 5,24,40
